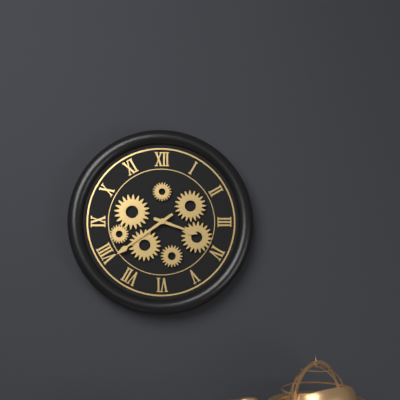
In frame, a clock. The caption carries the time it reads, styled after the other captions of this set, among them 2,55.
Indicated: 3,39
